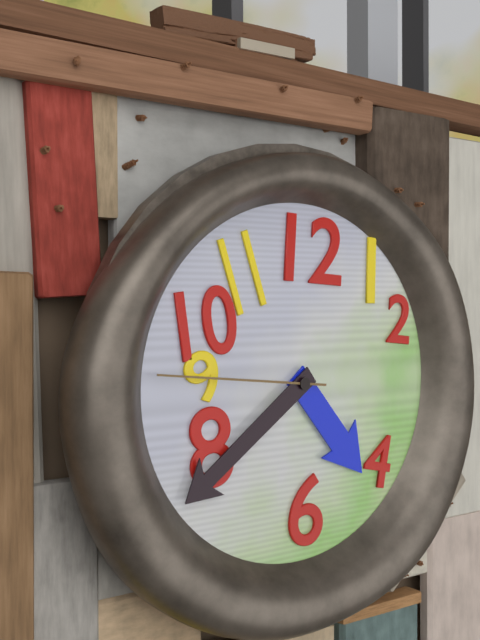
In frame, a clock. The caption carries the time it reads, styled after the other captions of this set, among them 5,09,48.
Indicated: 4,39,46
